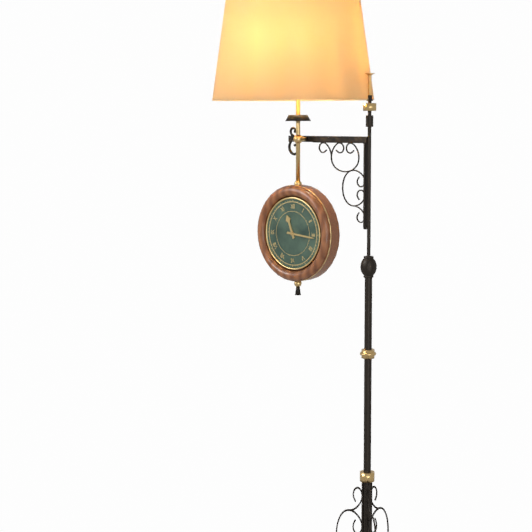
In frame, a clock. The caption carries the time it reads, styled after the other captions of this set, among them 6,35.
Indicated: 11,16
